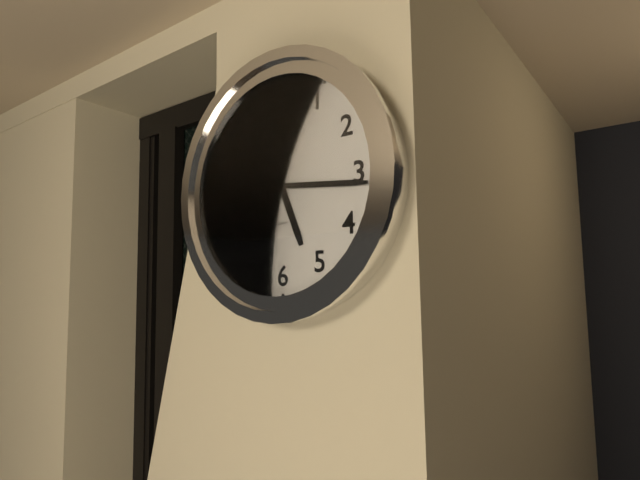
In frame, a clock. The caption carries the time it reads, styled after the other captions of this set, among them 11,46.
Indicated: 5,16
